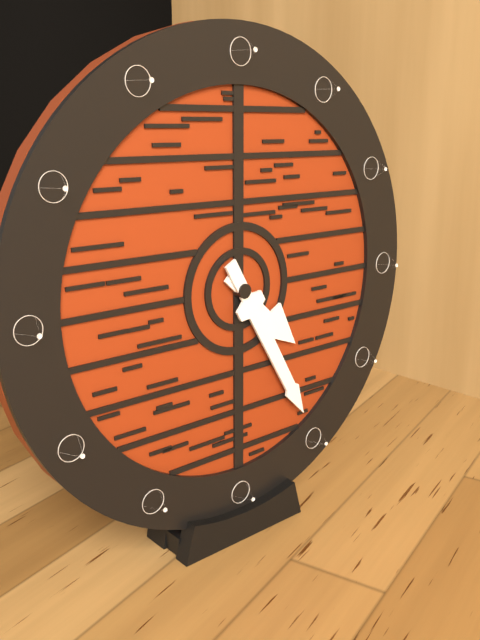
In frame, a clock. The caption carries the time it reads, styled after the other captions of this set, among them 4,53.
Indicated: 4,25
